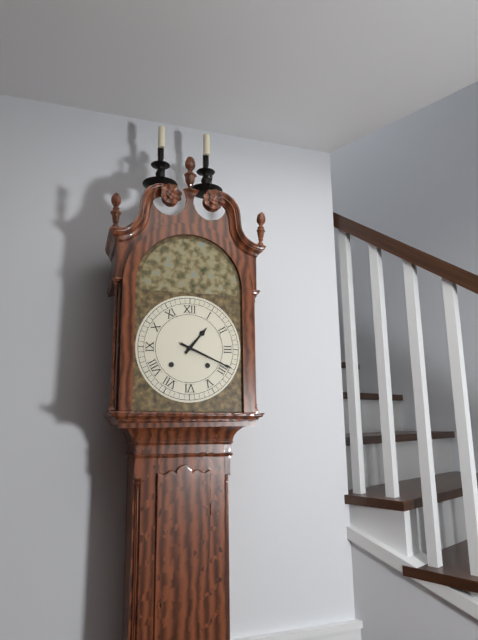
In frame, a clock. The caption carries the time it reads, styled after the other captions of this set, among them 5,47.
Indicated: 1,19
